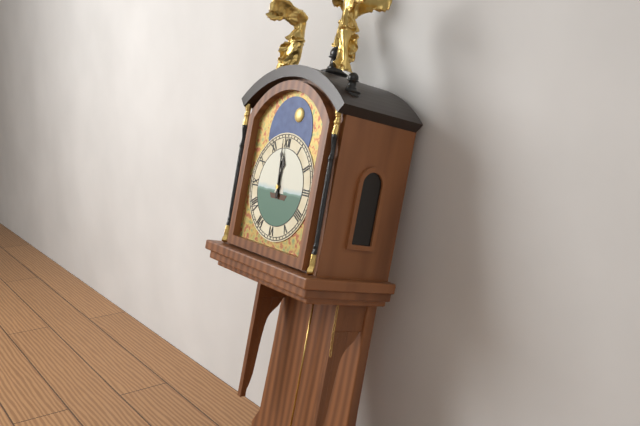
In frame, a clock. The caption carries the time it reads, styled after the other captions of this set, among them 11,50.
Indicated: 11,59
